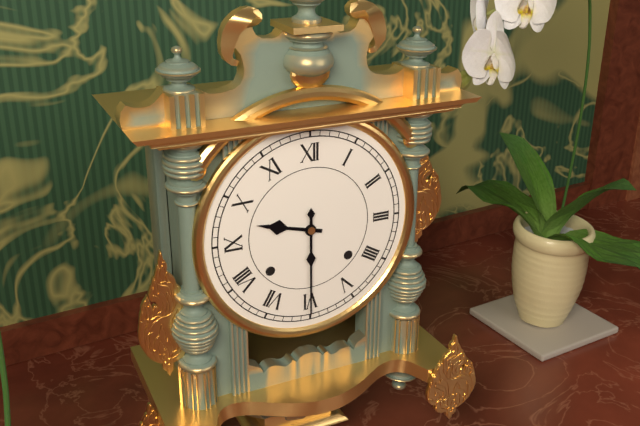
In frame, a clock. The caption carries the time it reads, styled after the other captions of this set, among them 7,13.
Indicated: 9,30
